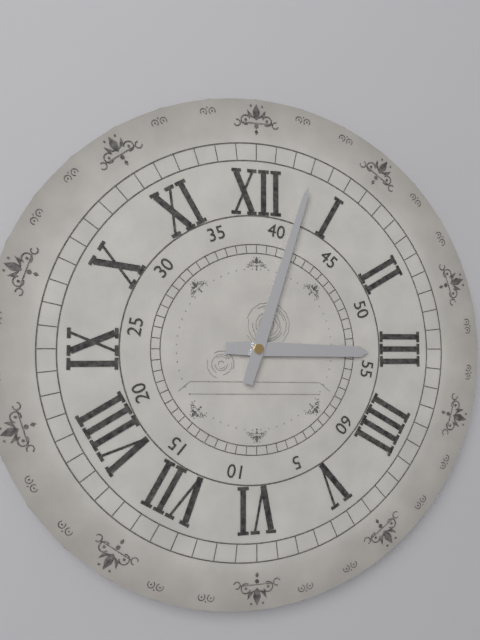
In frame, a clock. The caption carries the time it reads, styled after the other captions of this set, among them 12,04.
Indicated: 3,03
